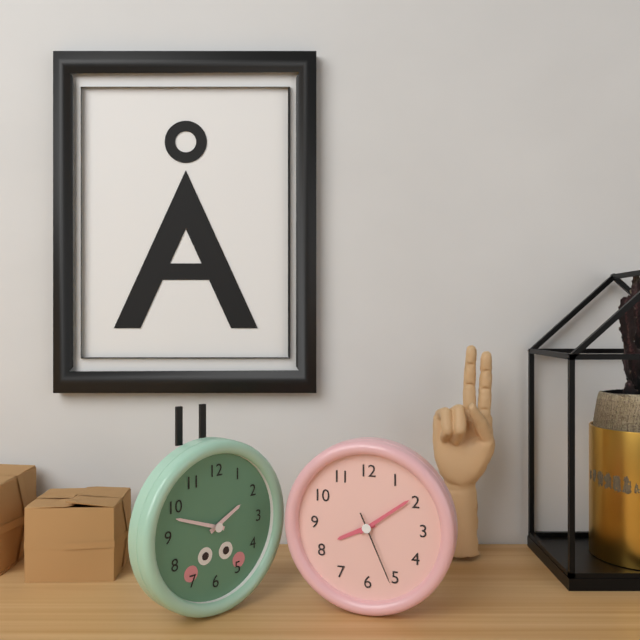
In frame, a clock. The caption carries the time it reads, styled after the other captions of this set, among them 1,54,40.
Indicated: 8,09,26
